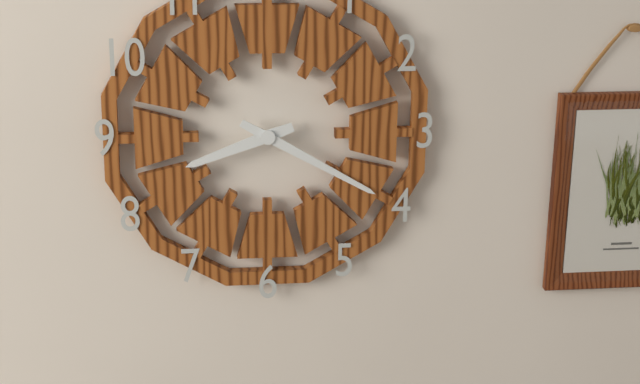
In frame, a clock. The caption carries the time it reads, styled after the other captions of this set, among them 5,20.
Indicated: 8,20
